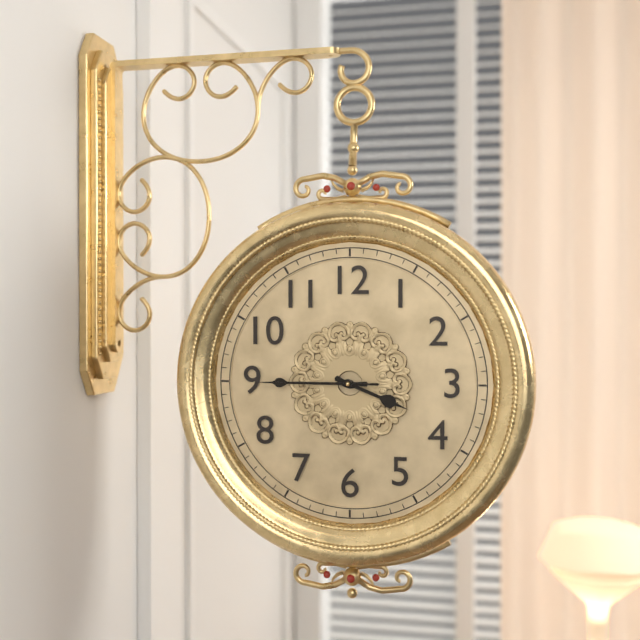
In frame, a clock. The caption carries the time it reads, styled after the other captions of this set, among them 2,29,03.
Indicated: 3,45,45
